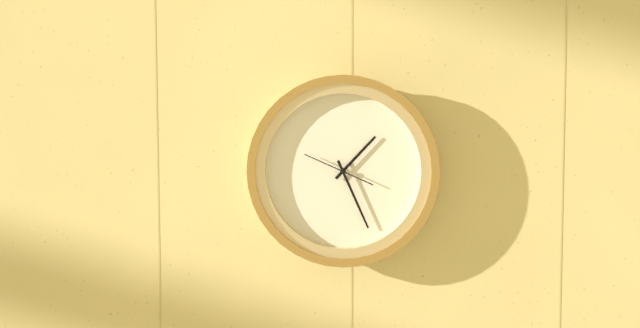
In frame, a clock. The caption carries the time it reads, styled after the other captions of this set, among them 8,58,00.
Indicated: 1,26,49
